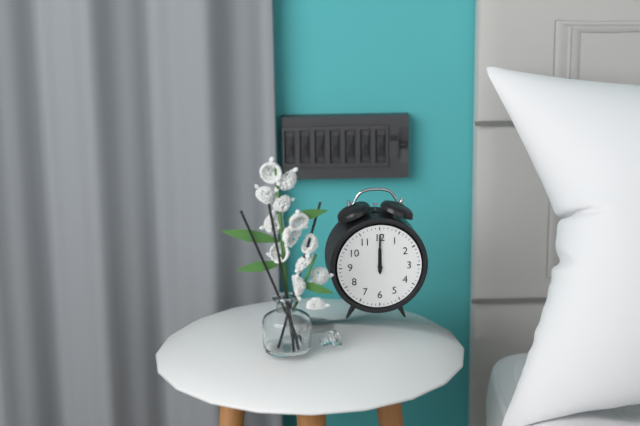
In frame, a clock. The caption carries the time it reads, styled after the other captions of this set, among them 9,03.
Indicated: 12,00
